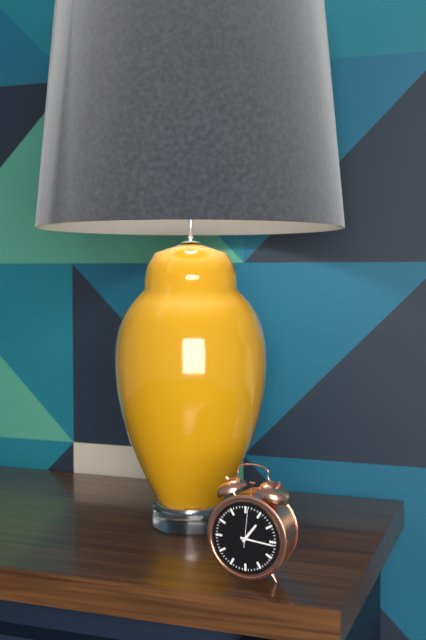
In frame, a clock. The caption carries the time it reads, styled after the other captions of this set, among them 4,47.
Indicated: 1,16
